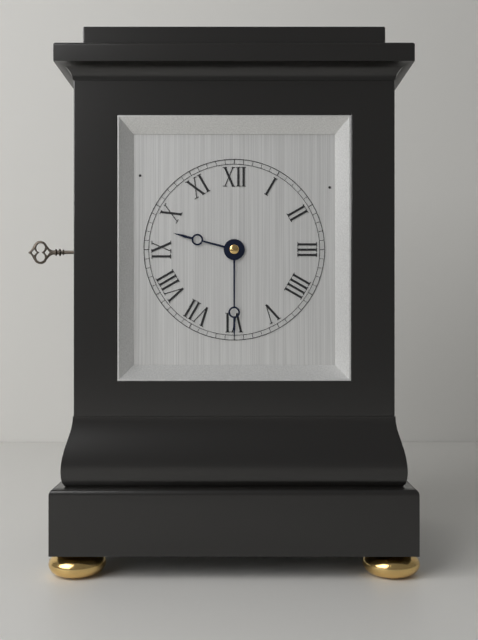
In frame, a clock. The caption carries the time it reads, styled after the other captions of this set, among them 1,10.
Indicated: 9,30
